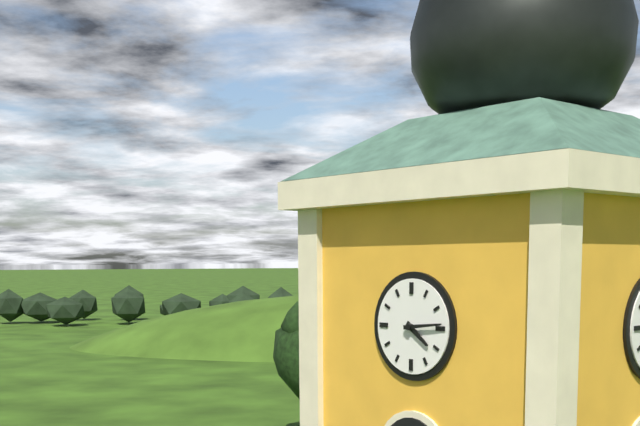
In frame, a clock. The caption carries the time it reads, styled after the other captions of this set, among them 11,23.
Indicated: 4,14
